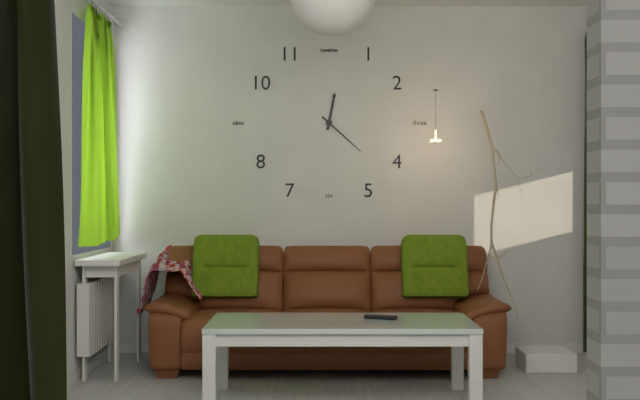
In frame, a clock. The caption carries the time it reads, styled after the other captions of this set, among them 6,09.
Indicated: 12,22
